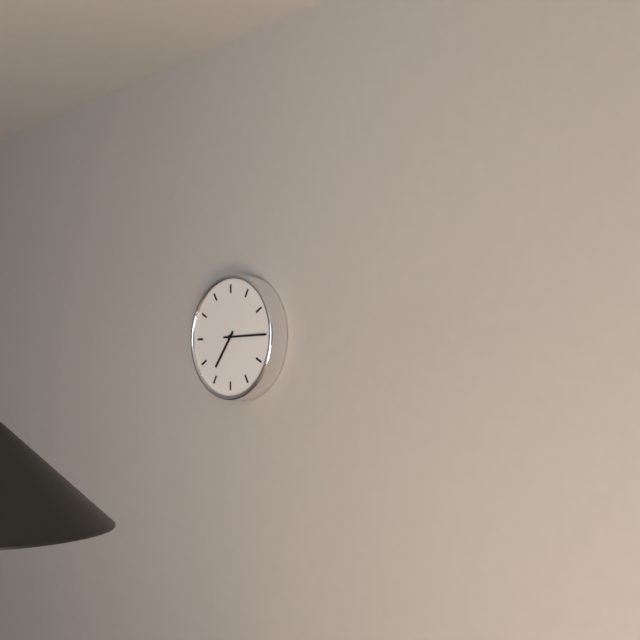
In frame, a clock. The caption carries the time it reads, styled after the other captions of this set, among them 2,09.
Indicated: 7,15
